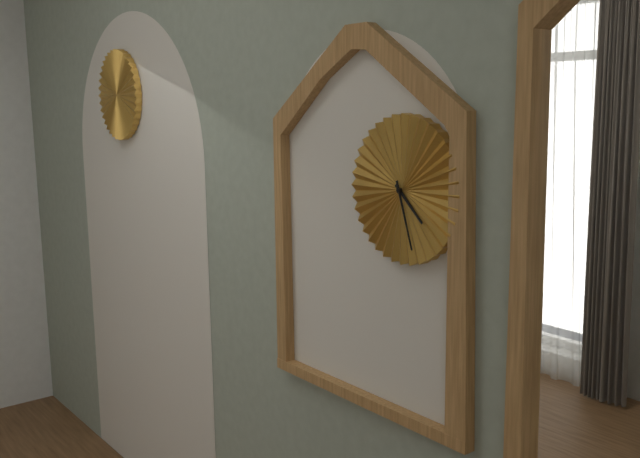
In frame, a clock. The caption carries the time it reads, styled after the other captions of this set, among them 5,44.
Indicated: 4,27
